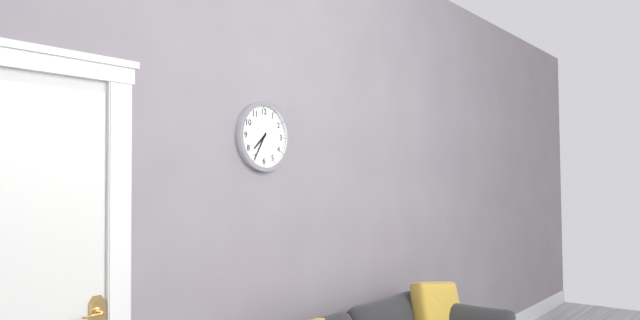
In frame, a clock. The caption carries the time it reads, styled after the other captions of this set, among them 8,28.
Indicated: 7,35
